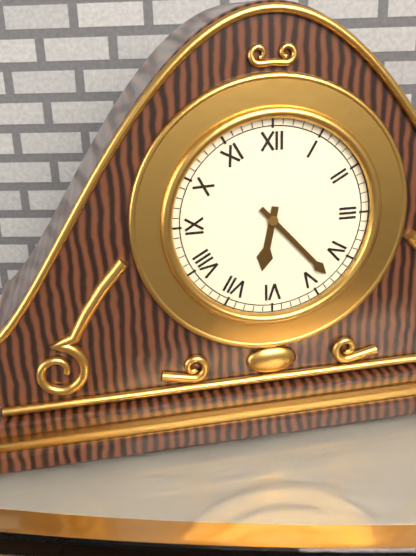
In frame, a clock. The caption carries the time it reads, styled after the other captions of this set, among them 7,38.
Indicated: 6,23
